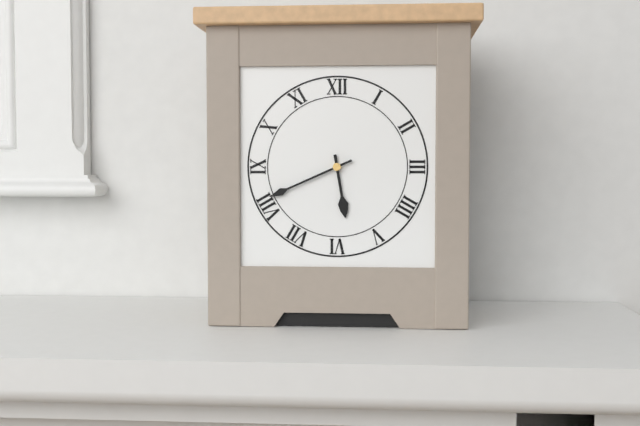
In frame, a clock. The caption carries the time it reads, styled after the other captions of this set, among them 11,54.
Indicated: 5,41
